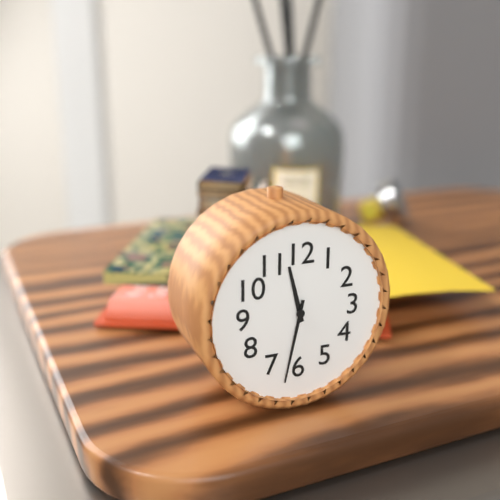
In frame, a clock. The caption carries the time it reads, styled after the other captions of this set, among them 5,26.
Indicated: 11,32
